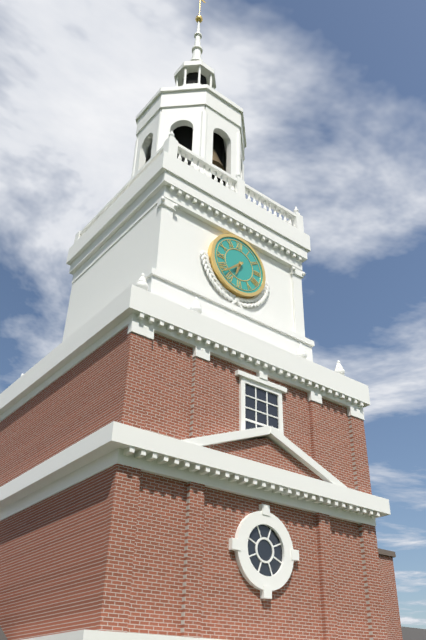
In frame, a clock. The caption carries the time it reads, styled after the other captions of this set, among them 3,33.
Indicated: 6,38
